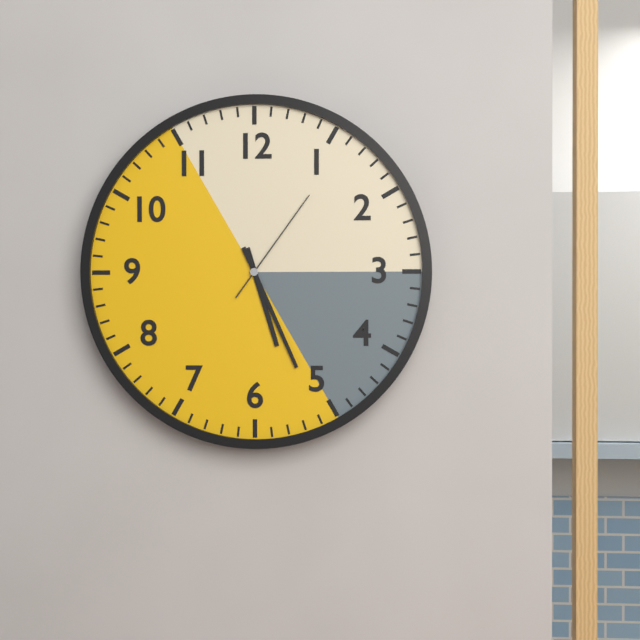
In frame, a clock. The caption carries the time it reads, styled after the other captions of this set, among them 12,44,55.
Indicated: 5,26,06
